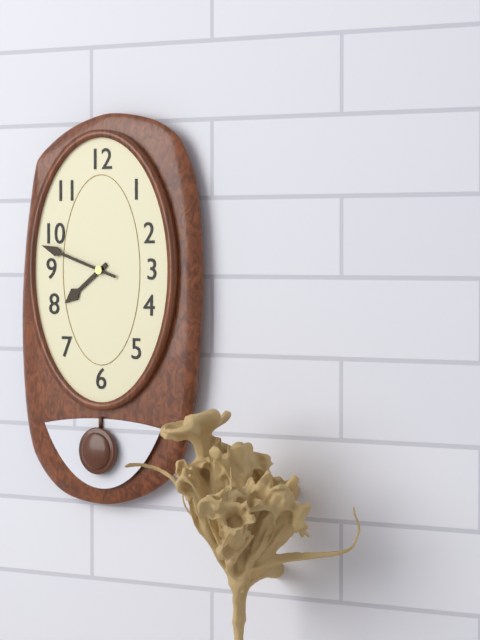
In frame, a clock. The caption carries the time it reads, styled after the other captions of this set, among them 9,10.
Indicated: 7,48
